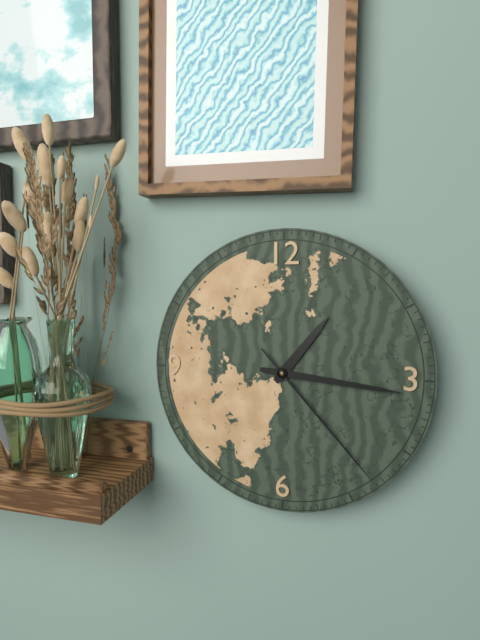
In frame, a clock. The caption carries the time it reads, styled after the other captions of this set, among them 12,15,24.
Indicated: 1,16,23
